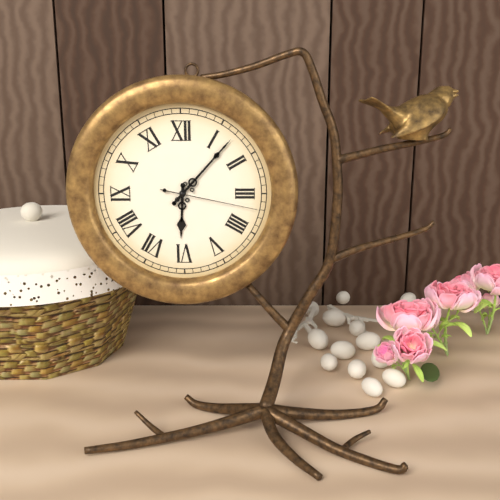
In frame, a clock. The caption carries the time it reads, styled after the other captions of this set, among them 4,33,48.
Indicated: 6,07,17
